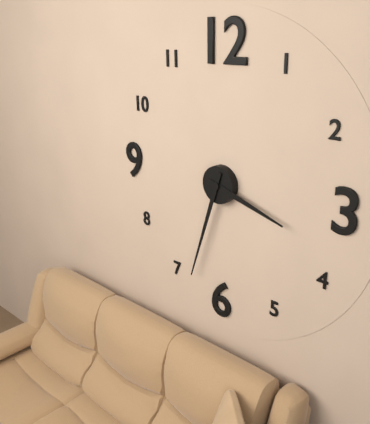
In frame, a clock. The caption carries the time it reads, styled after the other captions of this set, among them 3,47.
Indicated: 3,33
